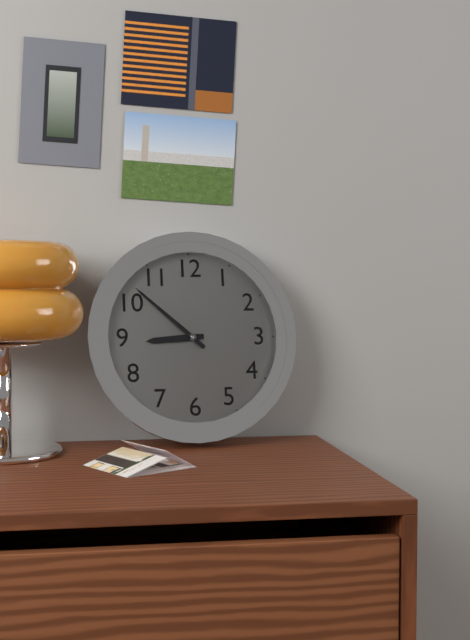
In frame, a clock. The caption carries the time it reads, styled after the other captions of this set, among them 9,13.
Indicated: 8,52
